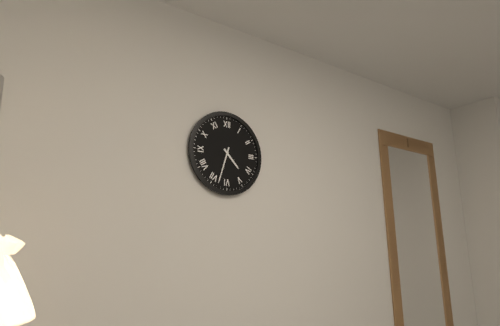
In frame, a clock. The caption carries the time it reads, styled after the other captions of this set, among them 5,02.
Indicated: 4,33
